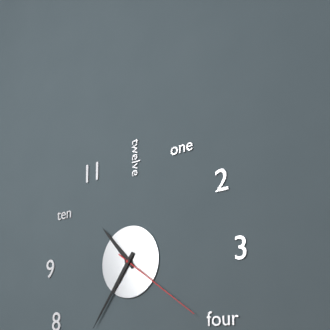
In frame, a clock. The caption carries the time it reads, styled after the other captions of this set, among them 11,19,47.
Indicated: 10,36,21
